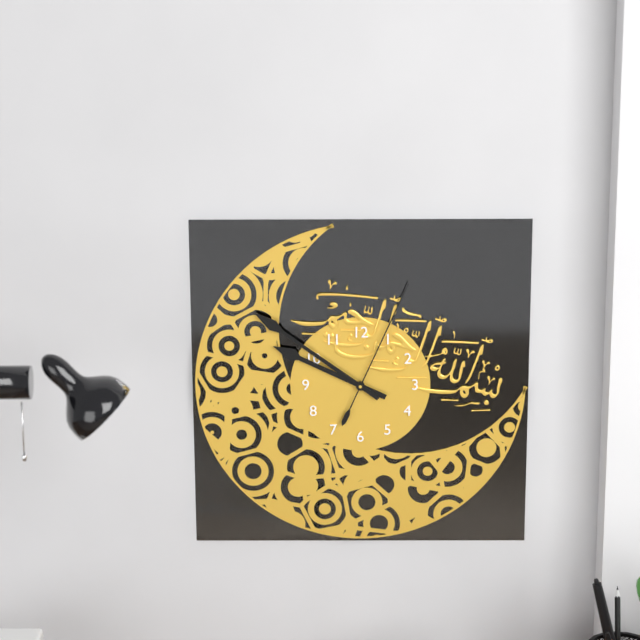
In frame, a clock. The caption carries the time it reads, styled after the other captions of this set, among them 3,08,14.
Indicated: 9,51,04
